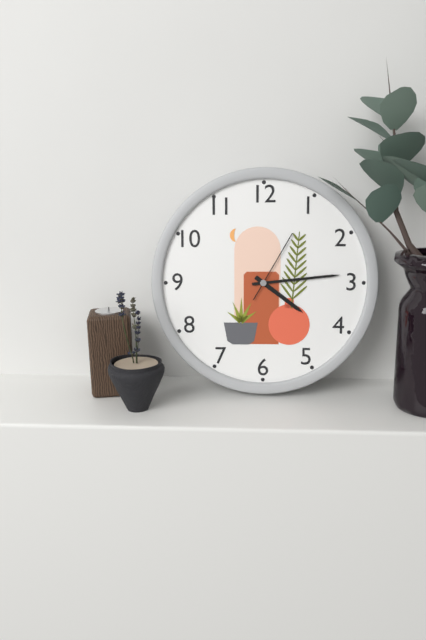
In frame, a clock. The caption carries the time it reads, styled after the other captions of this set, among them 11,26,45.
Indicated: 4,14,05
